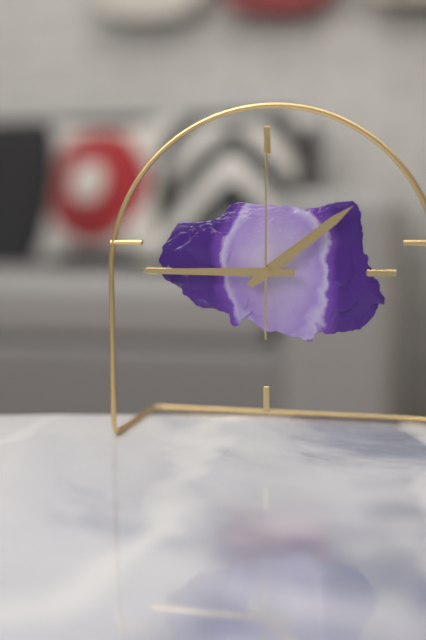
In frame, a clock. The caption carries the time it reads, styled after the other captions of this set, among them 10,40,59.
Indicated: 1,45,00
